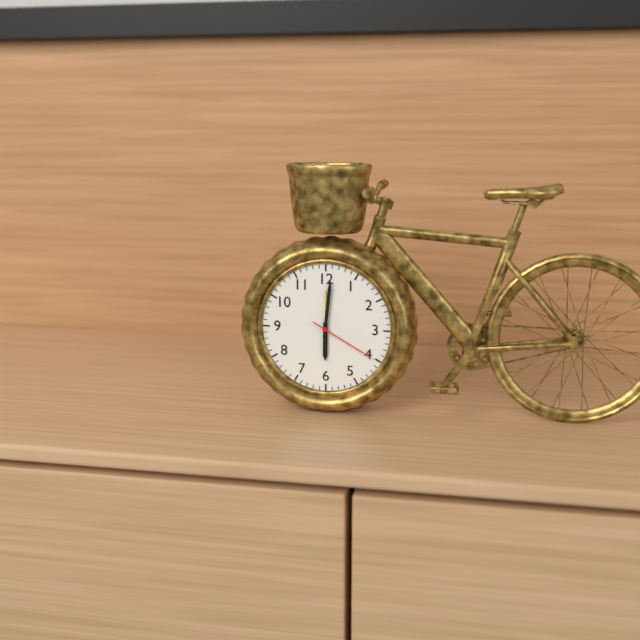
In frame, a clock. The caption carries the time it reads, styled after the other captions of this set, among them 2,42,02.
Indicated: 6,01,20
